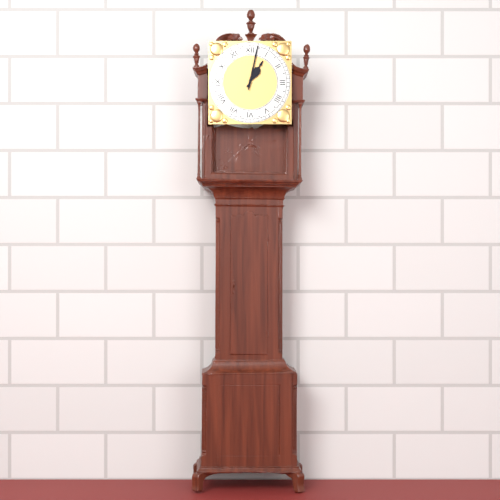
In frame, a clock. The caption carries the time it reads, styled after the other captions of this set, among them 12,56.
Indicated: 1,02
